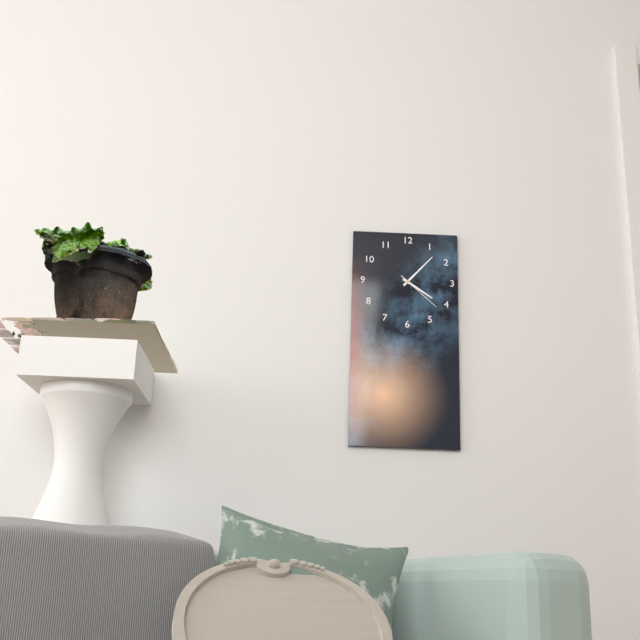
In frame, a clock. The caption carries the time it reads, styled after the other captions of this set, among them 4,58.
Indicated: 4,07
